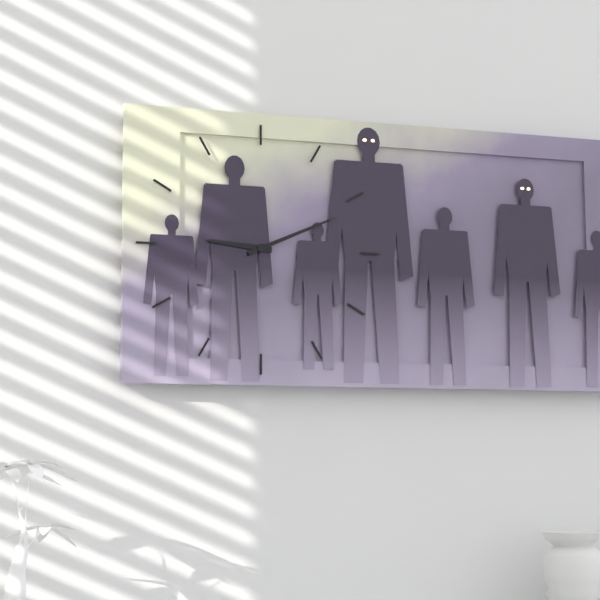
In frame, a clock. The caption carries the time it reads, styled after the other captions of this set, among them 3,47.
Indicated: 9,11
